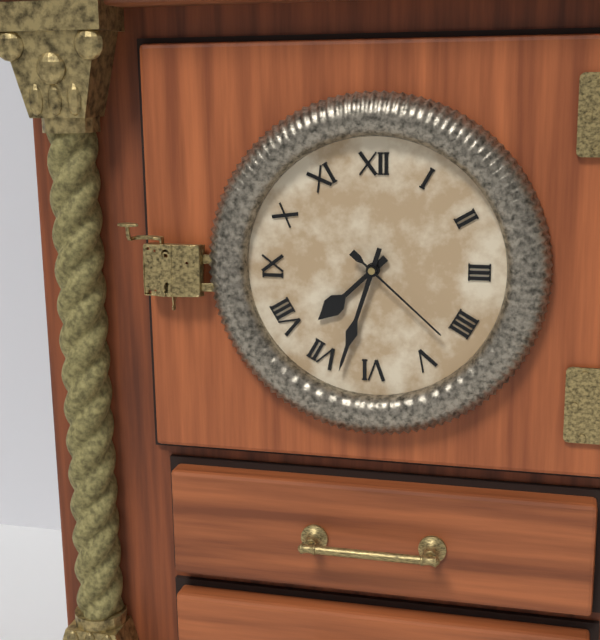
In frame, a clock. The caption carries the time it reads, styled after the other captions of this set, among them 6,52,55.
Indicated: 7,33,22
